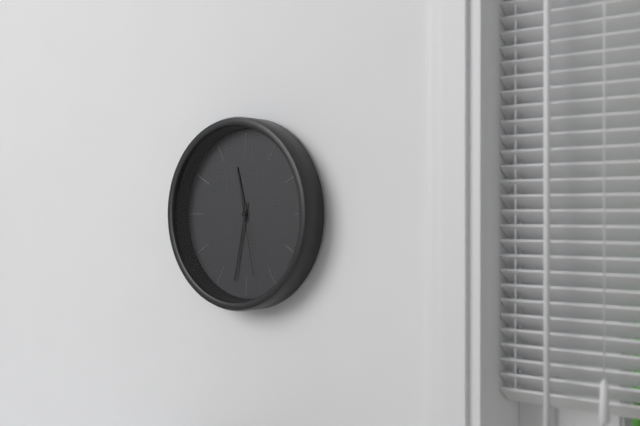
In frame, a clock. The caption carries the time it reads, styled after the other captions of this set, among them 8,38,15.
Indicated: 11,32,28
